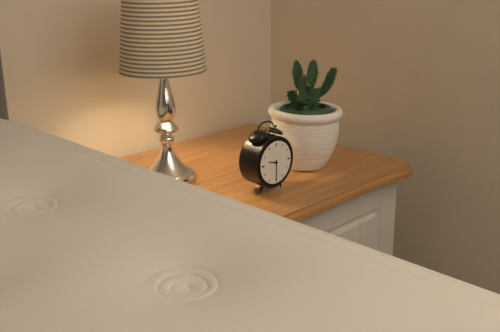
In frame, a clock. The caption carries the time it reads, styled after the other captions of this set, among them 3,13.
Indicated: 9,30
